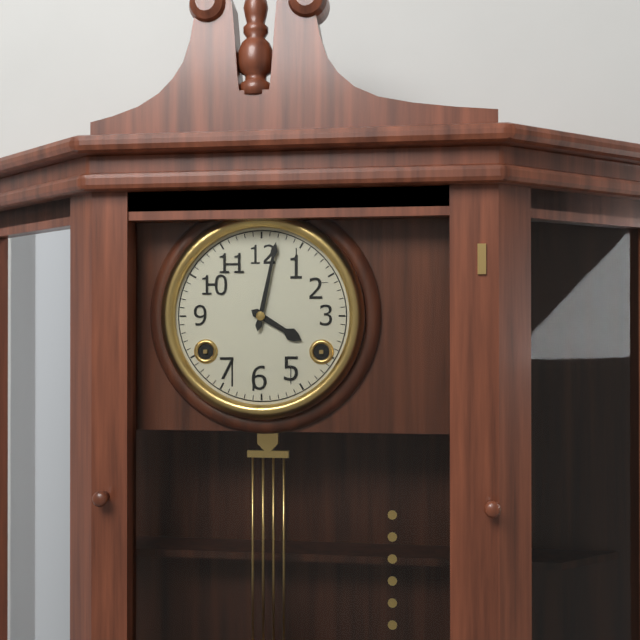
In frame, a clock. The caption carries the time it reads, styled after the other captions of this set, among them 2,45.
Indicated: 4,02
